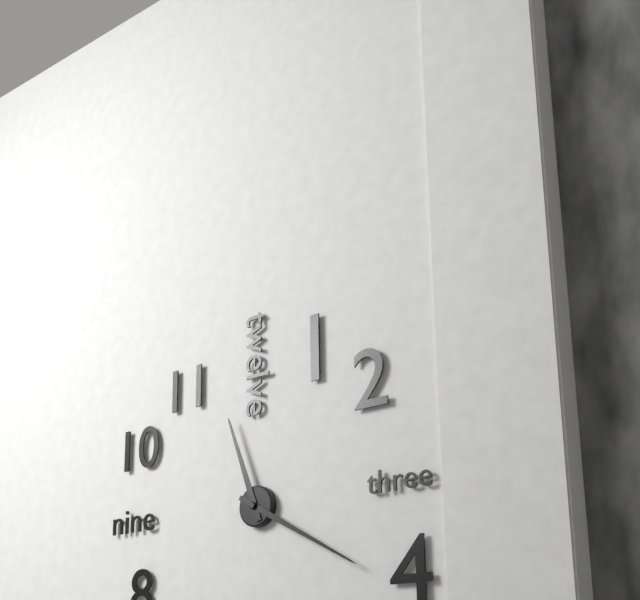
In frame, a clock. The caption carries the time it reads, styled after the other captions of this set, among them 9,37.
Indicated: 11,20
